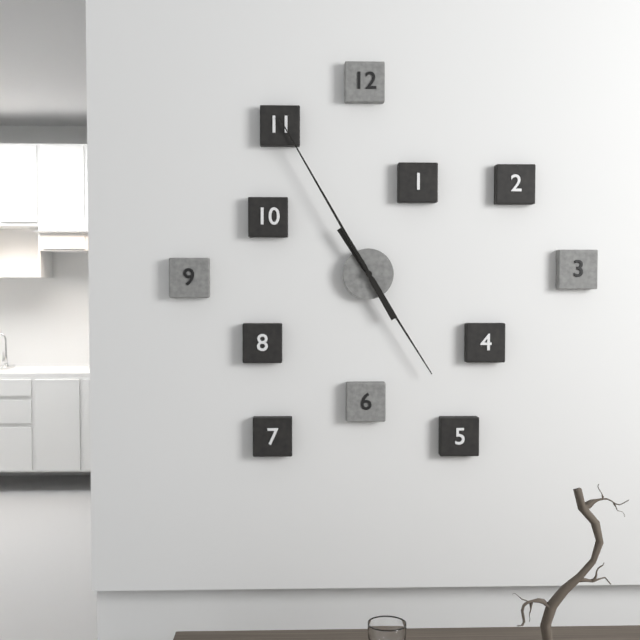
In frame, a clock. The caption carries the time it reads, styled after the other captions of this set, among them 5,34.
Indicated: 4,55
